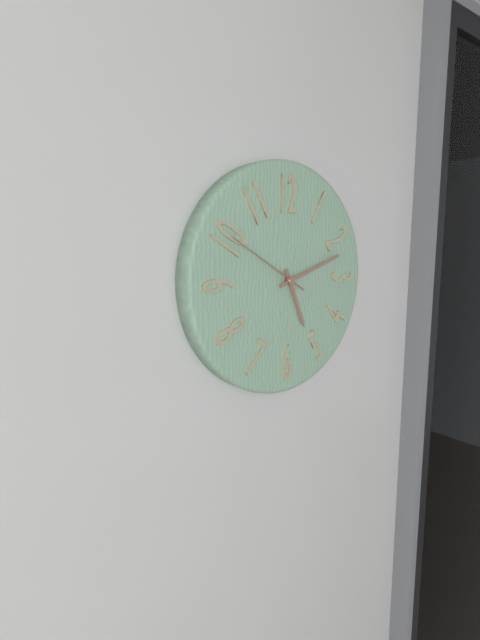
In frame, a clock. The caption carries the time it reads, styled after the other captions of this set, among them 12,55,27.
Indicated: 5,12,50
